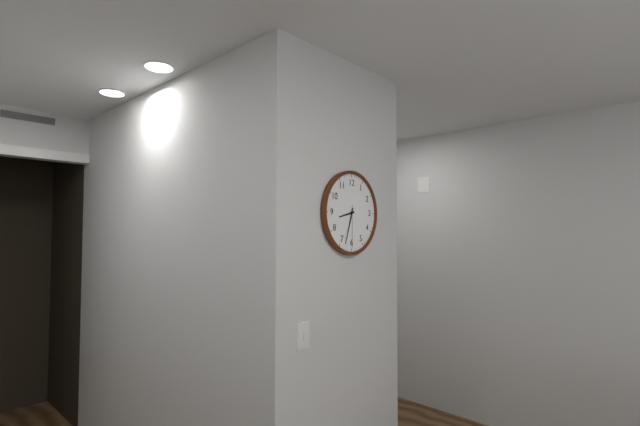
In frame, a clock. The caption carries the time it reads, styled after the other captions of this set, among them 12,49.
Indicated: 8,33
